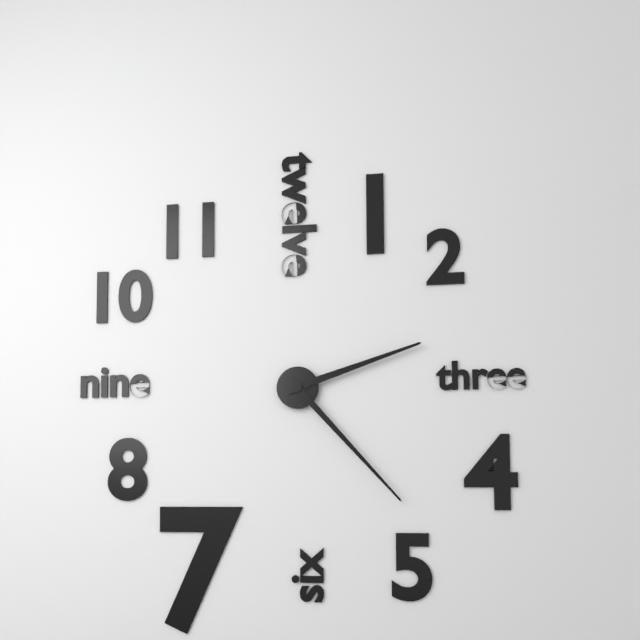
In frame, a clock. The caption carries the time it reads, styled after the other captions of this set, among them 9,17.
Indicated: 2,23
